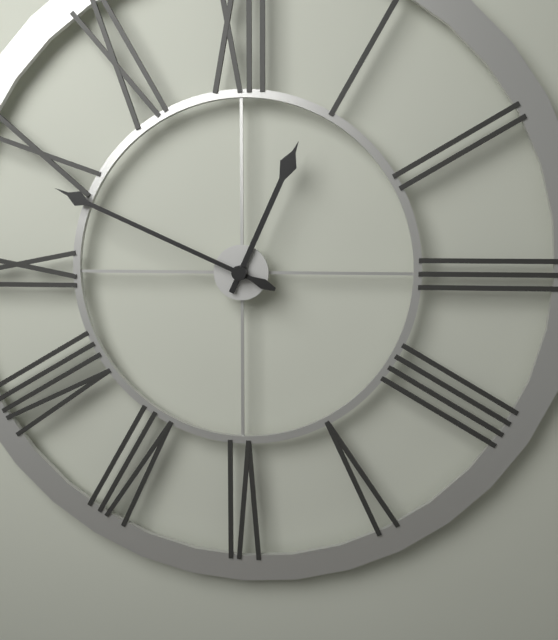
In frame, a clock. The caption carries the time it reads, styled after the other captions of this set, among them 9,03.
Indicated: 12,49
